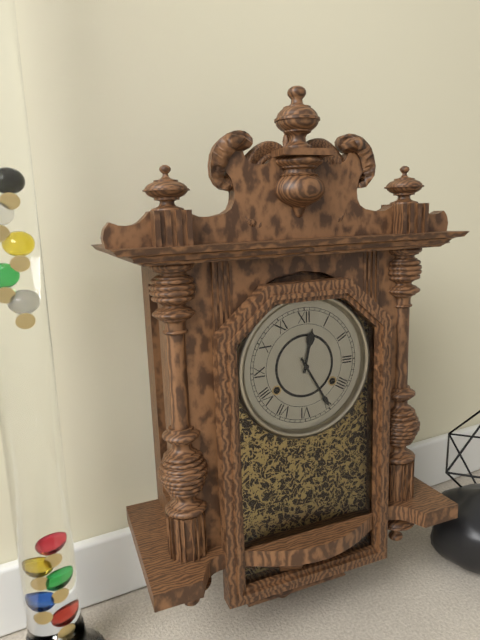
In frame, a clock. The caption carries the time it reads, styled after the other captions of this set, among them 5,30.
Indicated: 12,25
